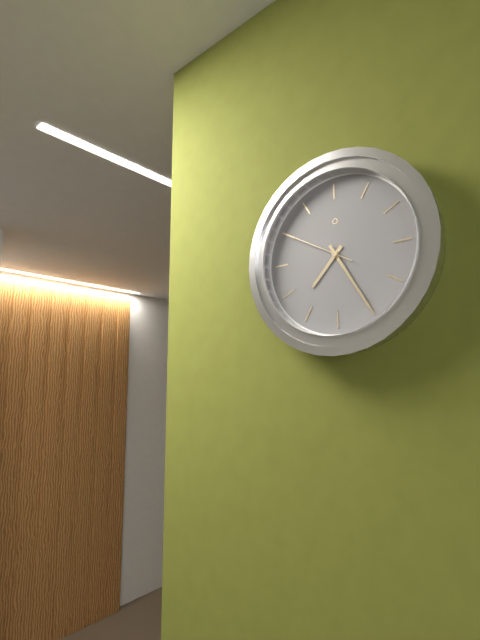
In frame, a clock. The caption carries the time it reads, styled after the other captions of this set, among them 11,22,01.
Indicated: 7,25,50
